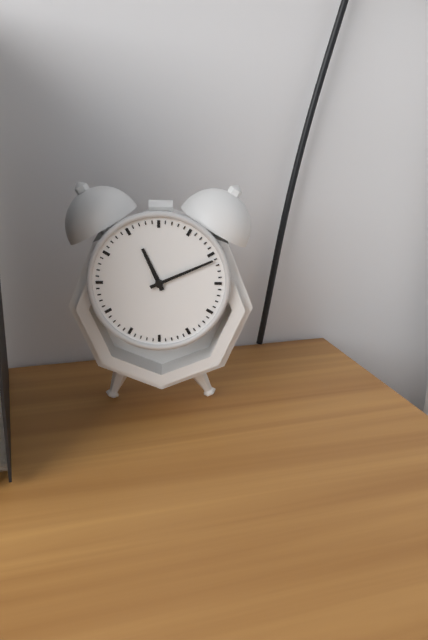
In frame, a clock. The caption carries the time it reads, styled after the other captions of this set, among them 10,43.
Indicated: 11,11
